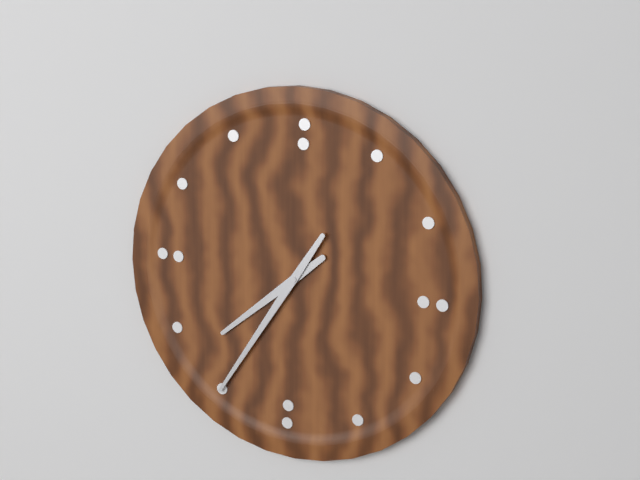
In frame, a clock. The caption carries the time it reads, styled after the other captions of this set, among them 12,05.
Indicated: 7,35
